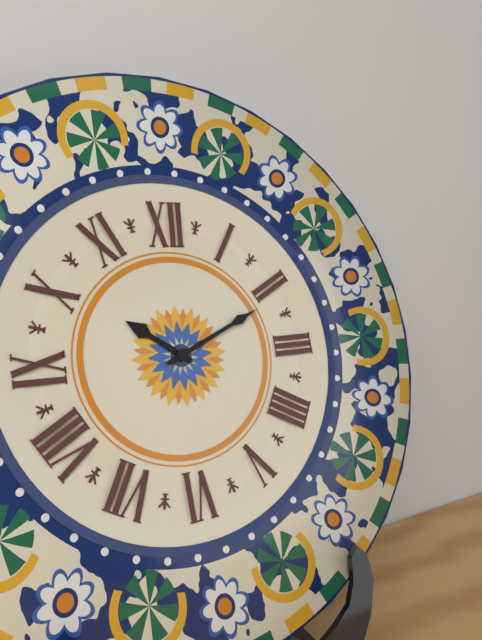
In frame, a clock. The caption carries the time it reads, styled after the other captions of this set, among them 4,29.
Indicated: 10,11
